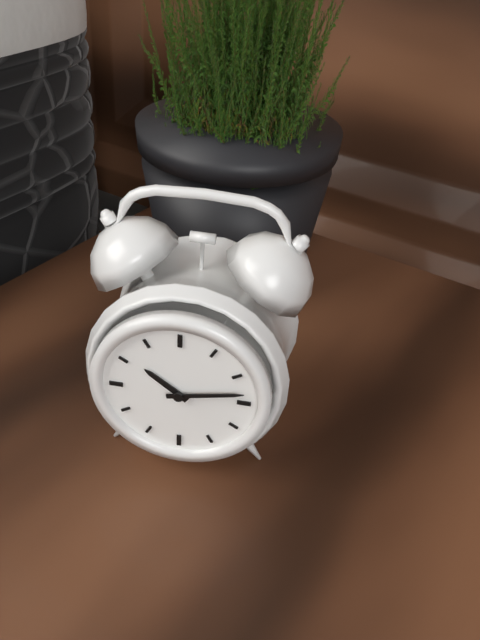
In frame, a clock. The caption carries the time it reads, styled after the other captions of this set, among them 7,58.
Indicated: 10,13
